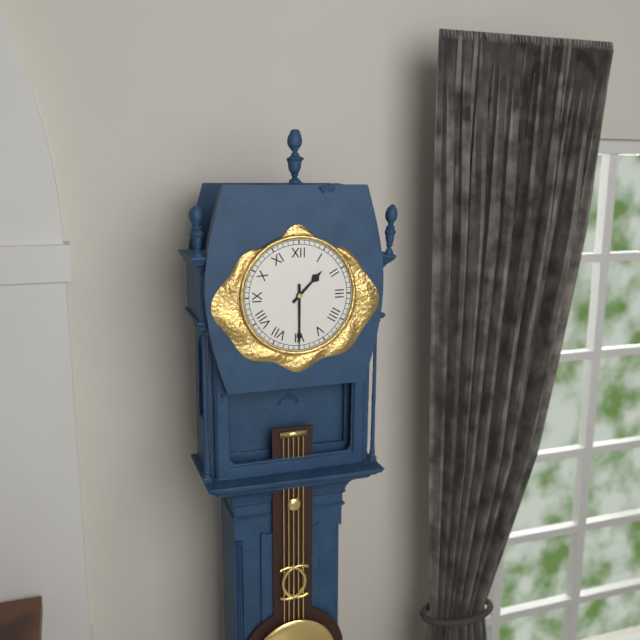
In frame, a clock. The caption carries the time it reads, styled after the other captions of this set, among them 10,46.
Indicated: 1,30
